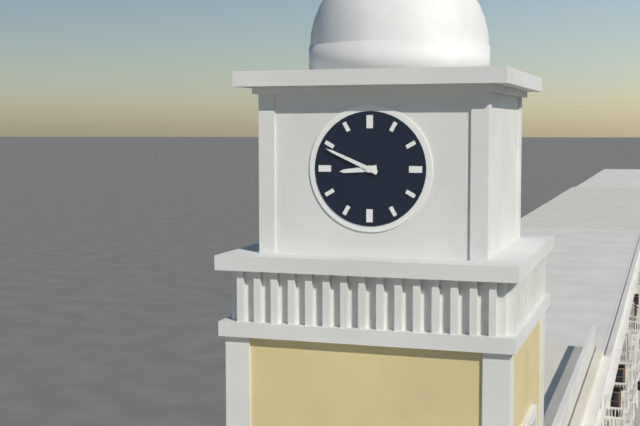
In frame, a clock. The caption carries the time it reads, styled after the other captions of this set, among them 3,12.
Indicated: 8,49
